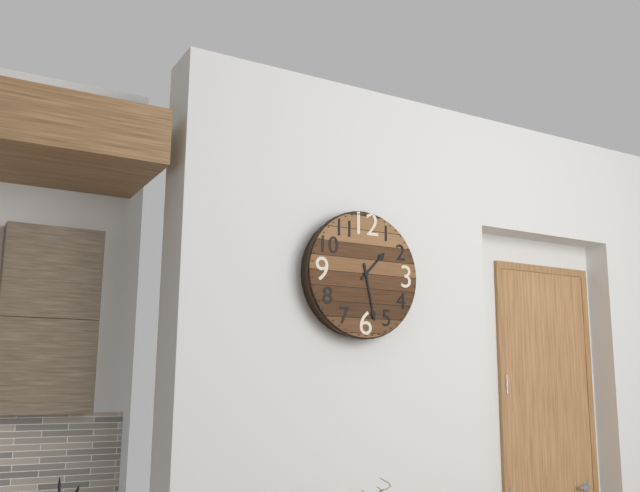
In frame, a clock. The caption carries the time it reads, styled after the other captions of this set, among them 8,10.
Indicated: 1,28
